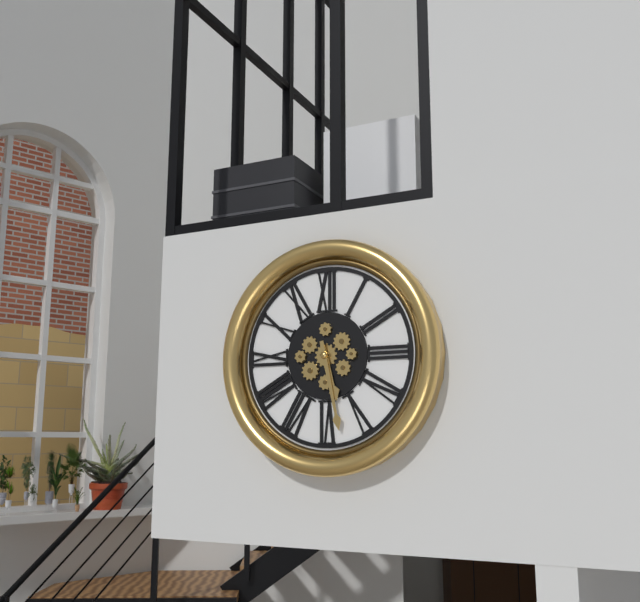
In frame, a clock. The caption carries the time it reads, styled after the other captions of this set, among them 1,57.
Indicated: 5,28
